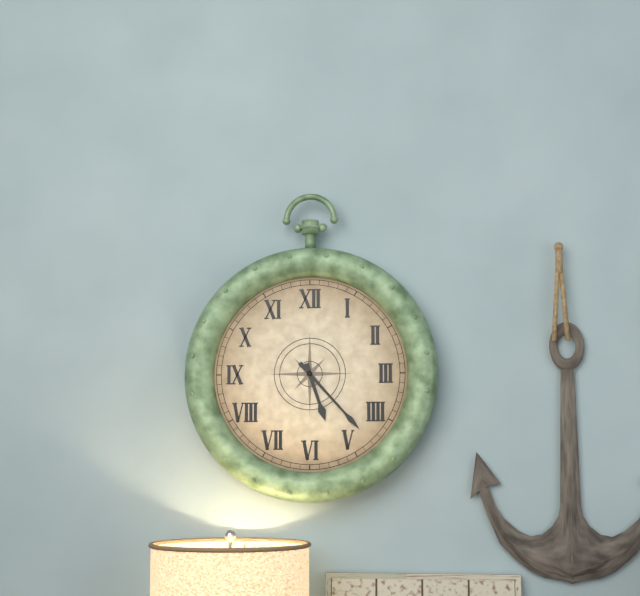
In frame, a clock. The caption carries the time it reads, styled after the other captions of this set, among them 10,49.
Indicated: 5,23
